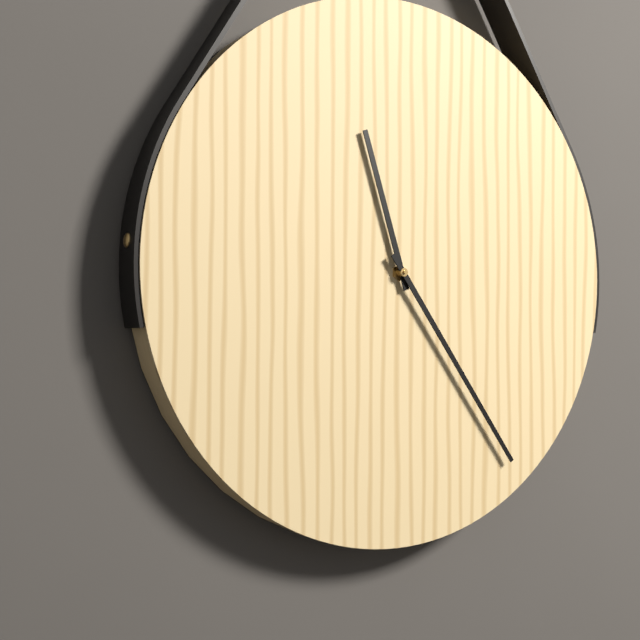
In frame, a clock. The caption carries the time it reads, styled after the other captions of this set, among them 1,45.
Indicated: 11,24
